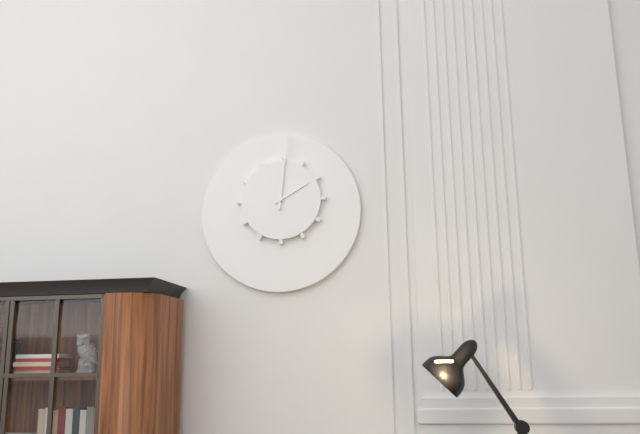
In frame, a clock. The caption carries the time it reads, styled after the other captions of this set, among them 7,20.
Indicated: 2,01
